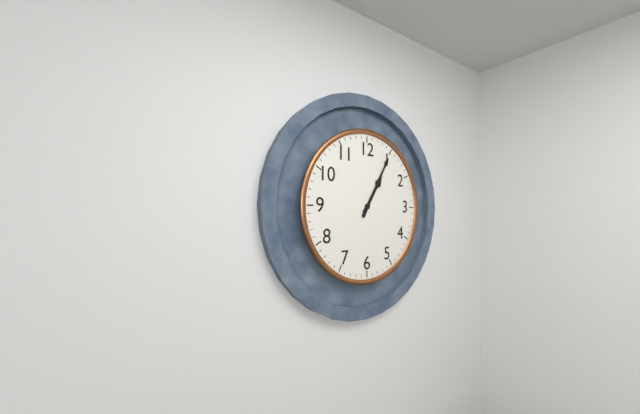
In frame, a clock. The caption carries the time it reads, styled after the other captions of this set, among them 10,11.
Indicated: 1,05
